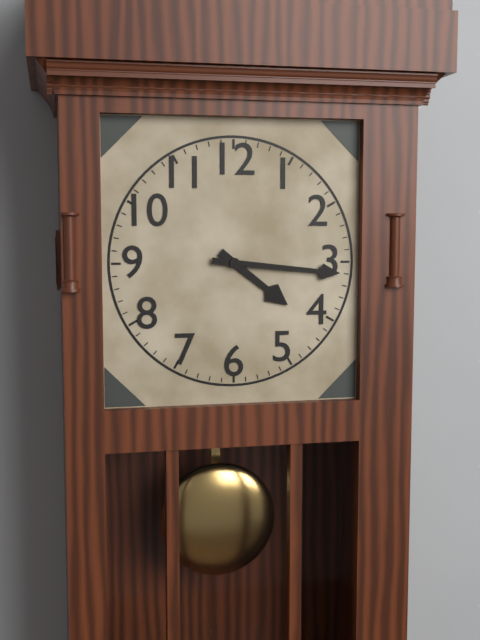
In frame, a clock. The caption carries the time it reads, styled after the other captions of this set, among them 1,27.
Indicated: 4,16
